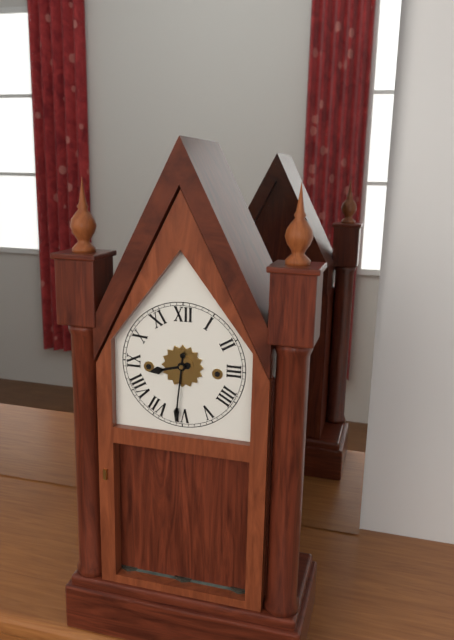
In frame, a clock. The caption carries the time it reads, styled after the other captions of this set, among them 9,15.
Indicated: 8,31
